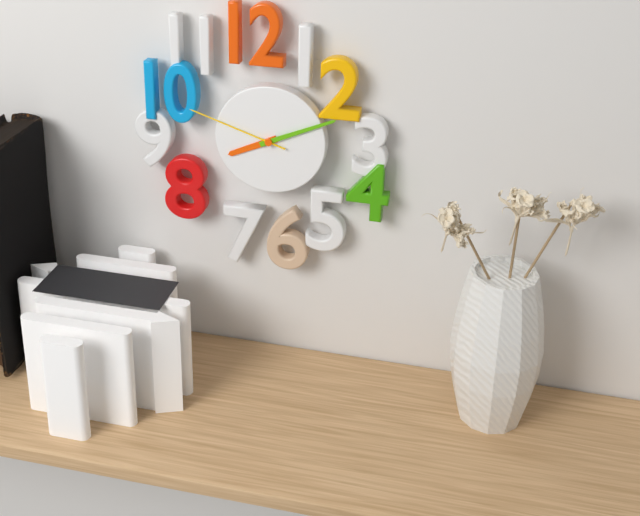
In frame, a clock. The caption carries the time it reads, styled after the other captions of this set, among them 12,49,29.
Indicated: 8,11,48
